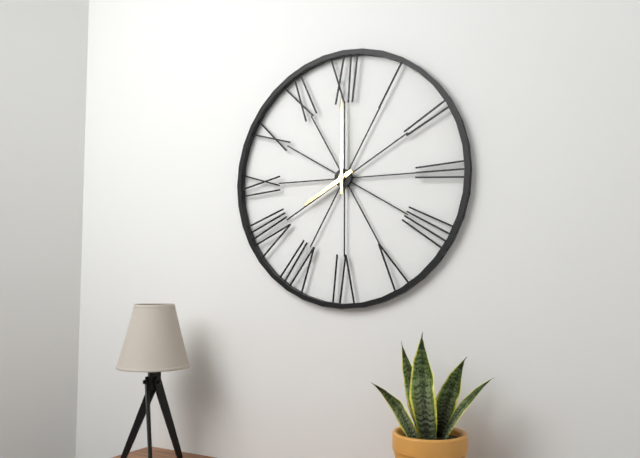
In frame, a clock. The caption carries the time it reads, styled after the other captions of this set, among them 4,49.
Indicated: 8,00
